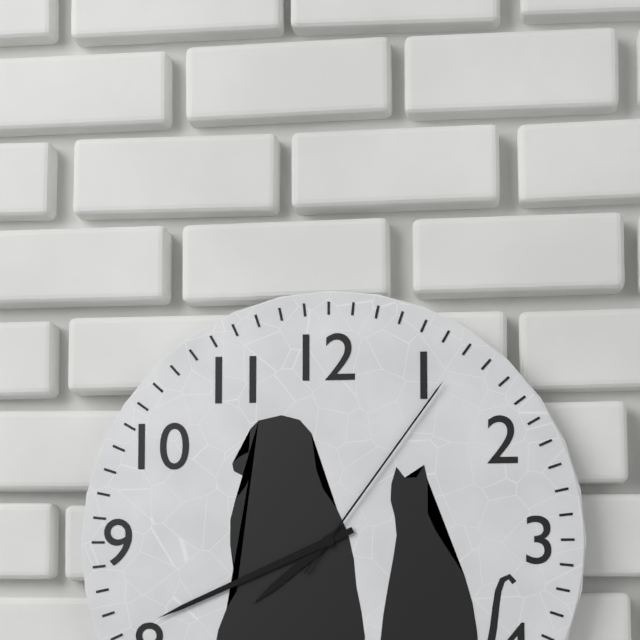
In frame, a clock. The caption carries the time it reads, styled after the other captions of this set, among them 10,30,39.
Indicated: 7,41,06
